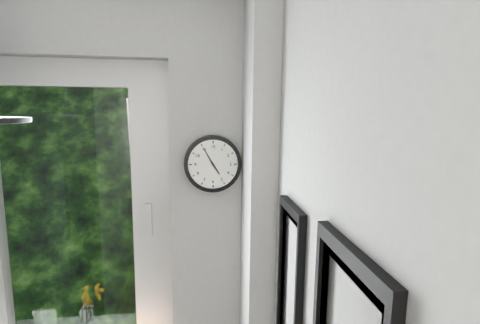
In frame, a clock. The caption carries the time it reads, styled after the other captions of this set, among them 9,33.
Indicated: 4,55
